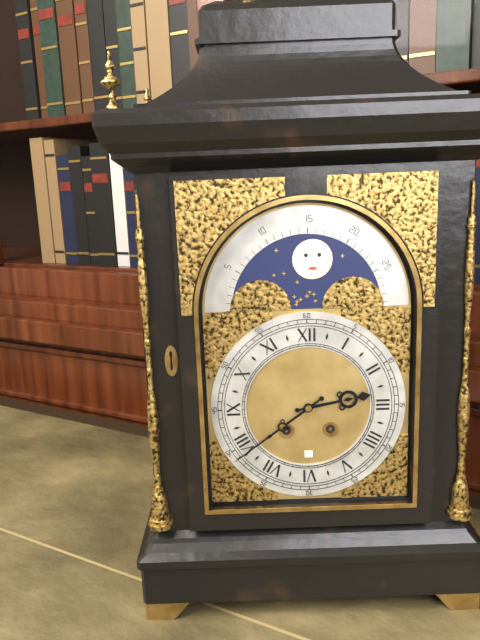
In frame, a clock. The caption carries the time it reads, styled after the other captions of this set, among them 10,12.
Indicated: 2,39
